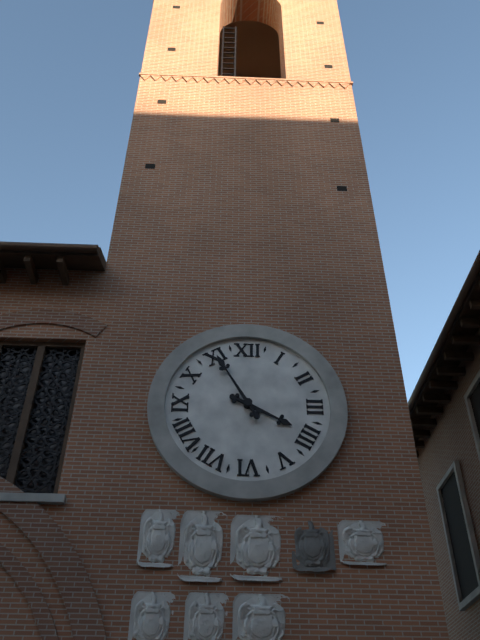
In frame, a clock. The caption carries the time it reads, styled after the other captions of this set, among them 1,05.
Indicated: 3,55
